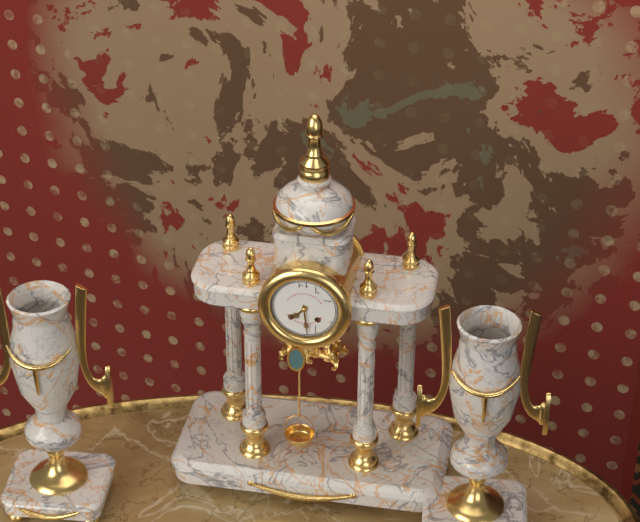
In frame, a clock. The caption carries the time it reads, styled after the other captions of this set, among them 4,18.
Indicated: 7,29
